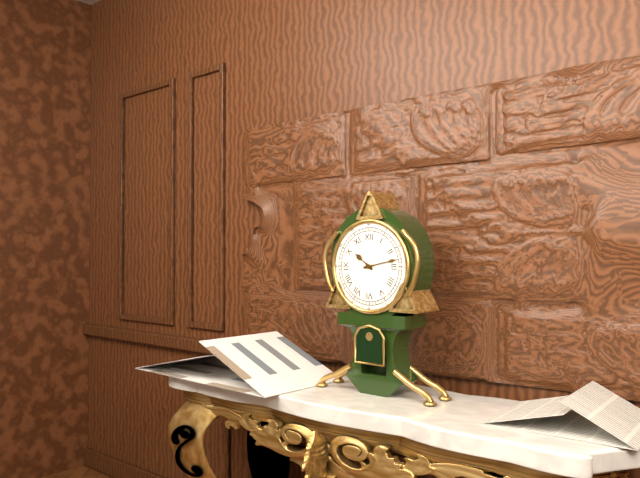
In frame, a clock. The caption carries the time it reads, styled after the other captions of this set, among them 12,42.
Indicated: 10,13
